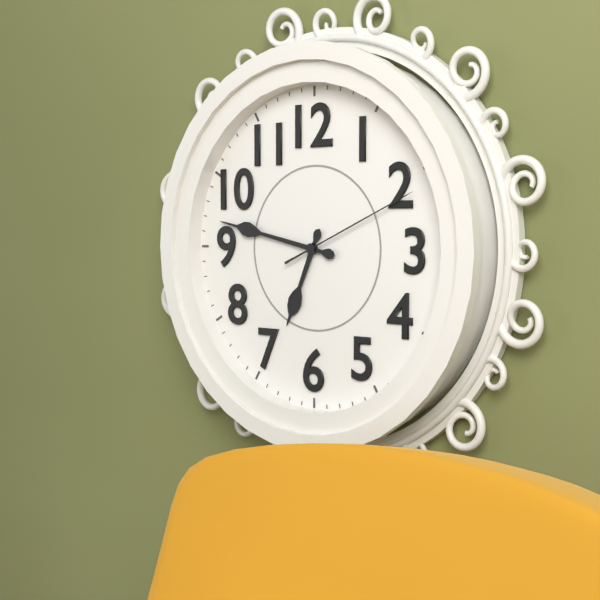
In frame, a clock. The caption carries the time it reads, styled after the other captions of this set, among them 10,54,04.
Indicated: 6,47,11
